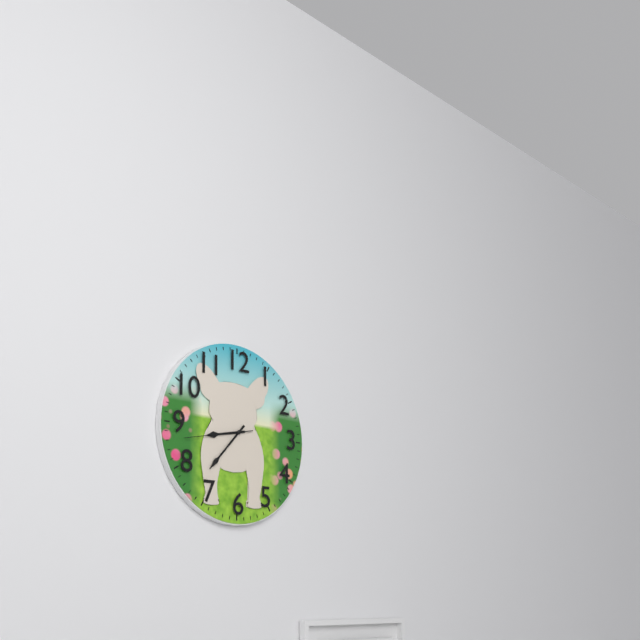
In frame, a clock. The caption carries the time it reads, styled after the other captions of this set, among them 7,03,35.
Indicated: 8,37,43
